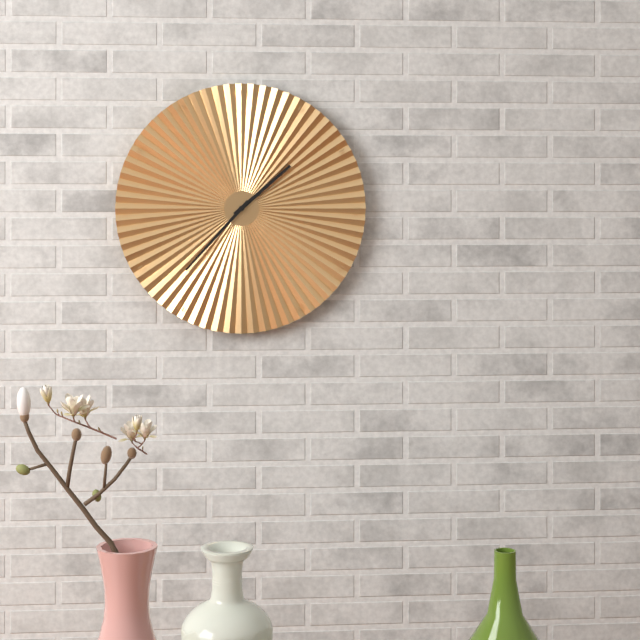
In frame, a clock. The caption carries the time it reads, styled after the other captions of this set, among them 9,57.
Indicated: 1,37
